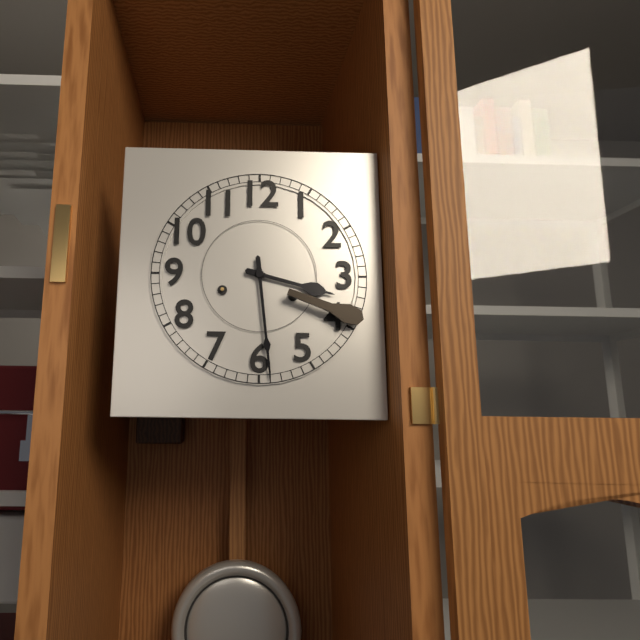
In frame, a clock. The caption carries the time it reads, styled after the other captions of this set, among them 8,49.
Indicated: 3,29
